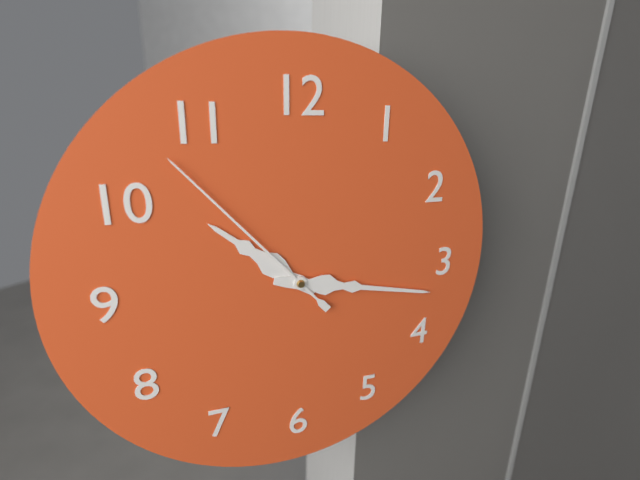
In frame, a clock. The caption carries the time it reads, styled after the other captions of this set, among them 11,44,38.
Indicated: 10,17,53
